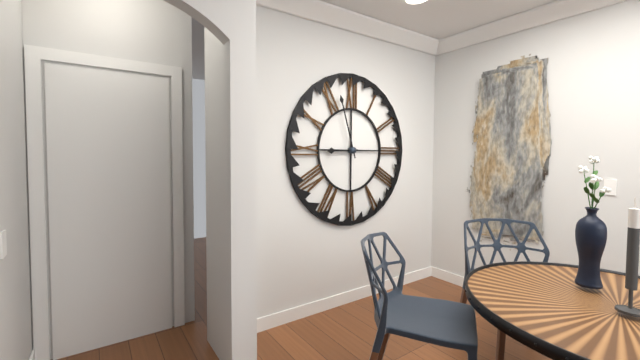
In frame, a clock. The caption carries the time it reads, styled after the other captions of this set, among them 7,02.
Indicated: 8,57
